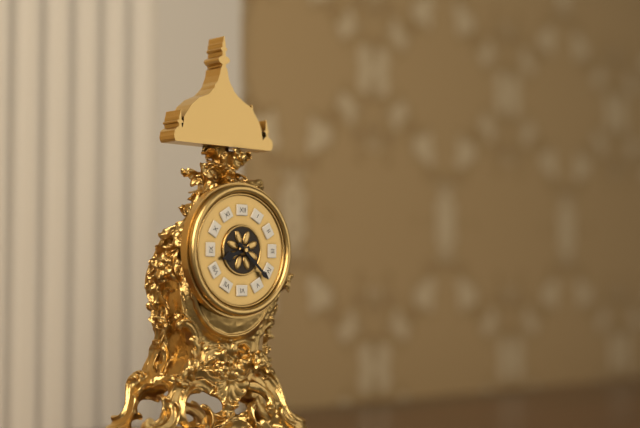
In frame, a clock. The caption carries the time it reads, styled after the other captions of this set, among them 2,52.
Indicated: 8,22
